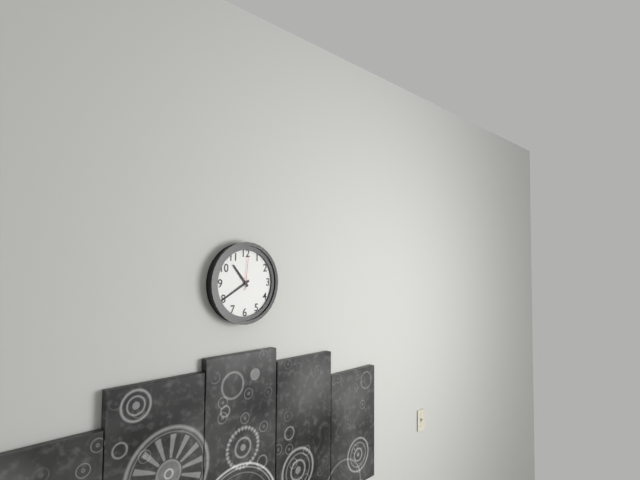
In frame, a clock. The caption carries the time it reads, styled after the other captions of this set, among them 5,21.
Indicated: 10,40
